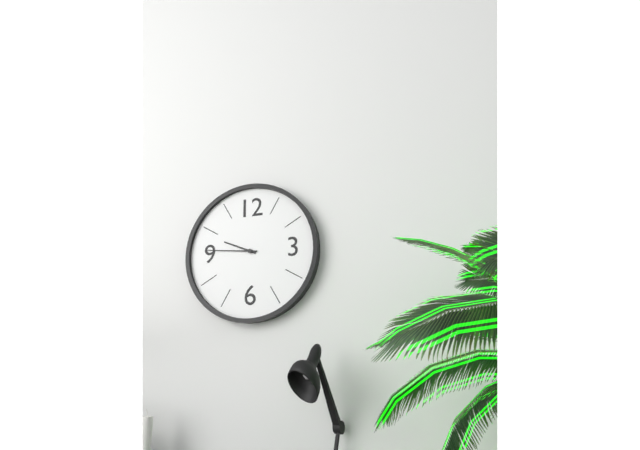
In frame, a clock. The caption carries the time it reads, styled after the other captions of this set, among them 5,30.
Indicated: 9,46
